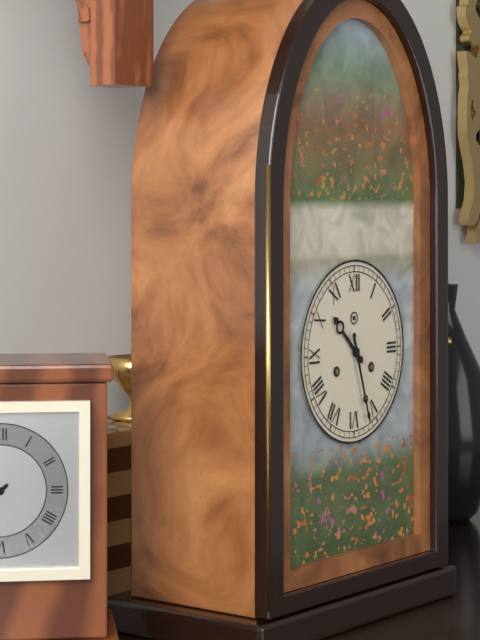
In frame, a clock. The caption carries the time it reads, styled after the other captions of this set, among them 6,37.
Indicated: 10,27
